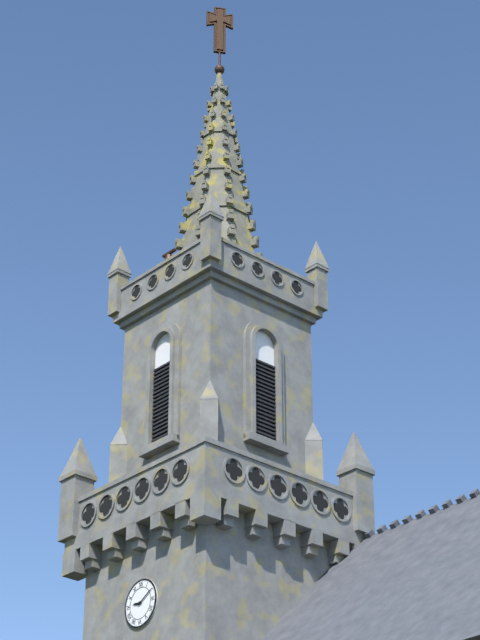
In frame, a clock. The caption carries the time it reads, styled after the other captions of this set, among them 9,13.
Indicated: 9,10
